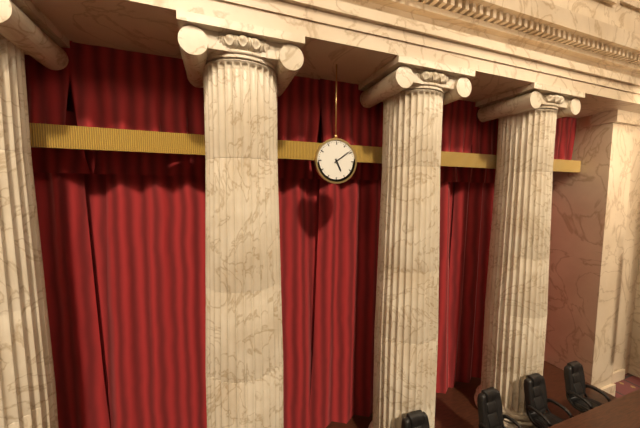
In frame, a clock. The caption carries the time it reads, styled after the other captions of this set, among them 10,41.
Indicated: 5,09
